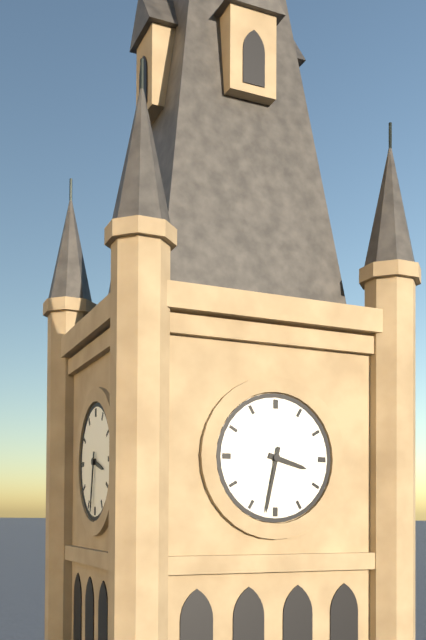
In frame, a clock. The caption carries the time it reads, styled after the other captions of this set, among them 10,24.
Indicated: 3,32
